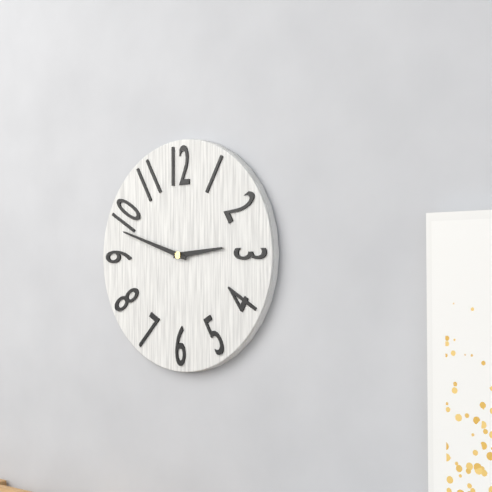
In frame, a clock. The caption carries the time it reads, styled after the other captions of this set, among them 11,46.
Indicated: 2,48
